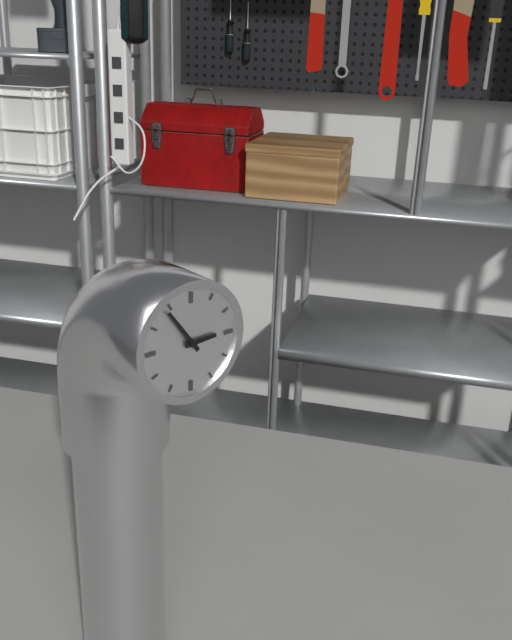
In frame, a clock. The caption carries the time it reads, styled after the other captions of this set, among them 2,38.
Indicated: 2,54
